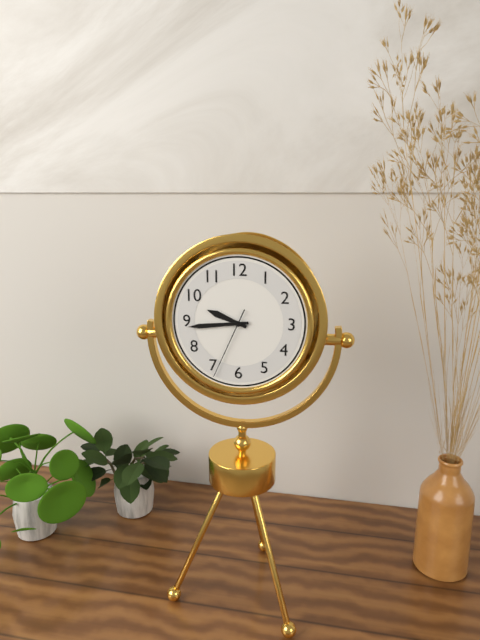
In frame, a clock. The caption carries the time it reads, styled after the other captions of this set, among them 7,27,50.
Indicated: 9,44,34
